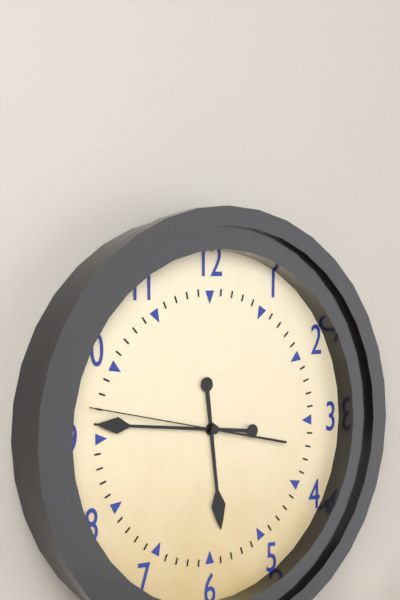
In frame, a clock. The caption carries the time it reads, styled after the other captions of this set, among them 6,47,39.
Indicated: 5,46,47
